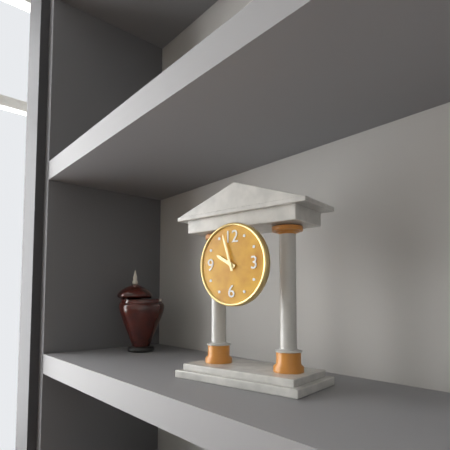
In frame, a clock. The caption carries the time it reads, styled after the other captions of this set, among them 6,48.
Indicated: 9,57
